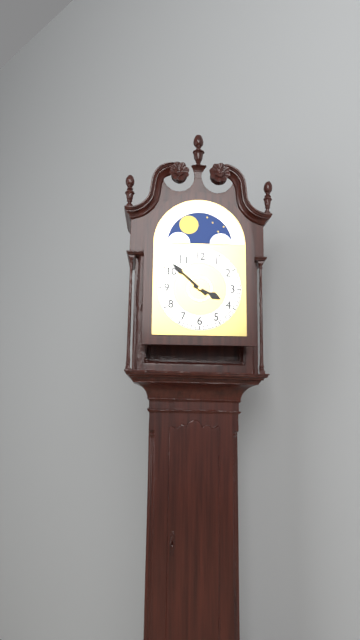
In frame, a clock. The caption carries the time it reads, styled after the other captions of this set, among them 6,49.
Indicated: 3,52
